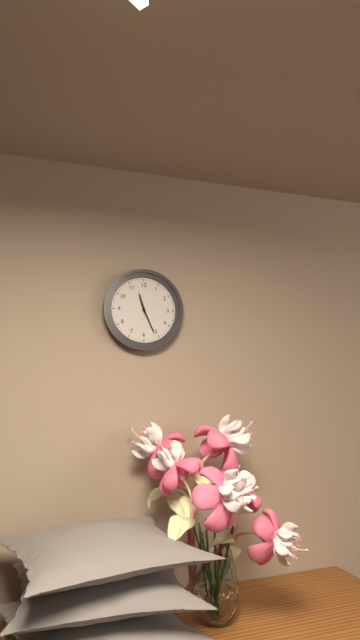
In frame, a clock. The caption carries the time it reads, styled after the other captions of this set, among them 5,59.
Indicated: 11,26
